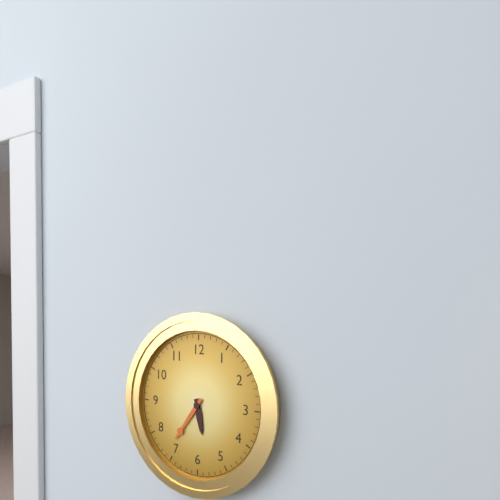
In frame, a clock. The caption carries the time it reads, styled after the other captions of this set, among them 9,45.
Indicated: 5,36
